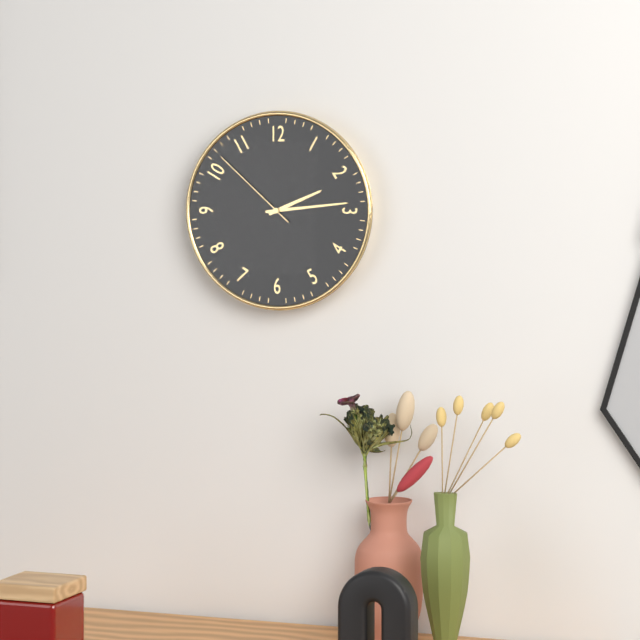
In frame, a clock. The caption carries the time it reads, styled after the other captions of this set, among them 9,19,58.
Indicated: 2,14,52
